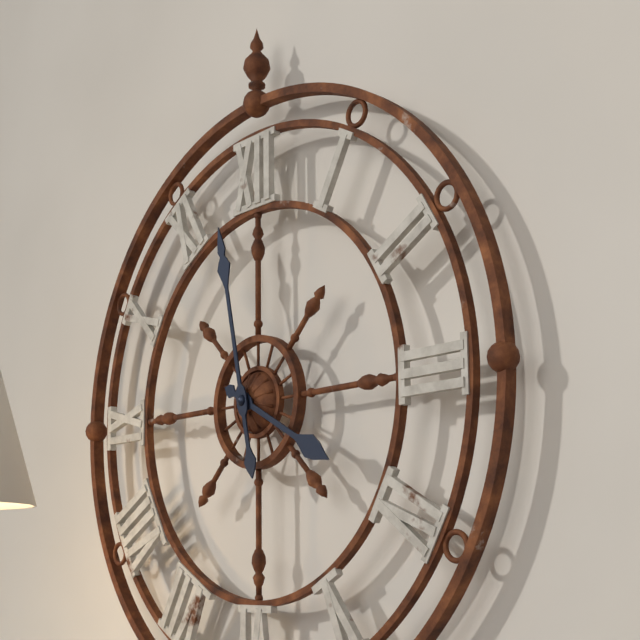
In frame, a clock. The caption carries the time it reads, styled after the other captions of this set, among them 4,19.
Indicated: 3,58
